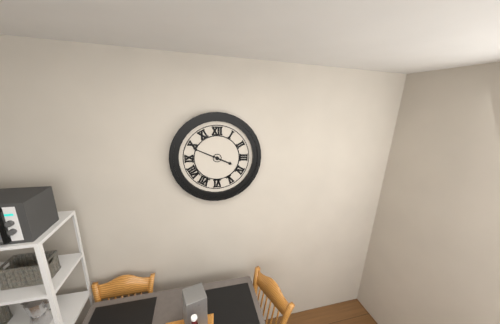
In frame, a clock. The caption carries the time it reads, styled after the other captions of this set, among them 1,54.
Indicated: 3,49
